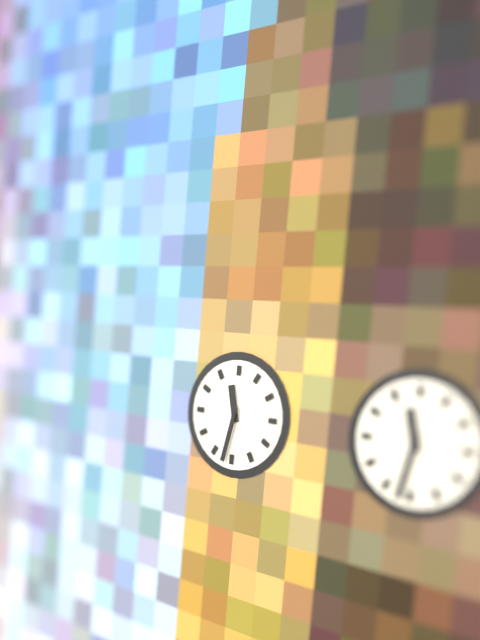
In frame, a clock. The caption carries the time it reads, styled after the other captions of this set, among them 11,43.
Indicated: 11,32
